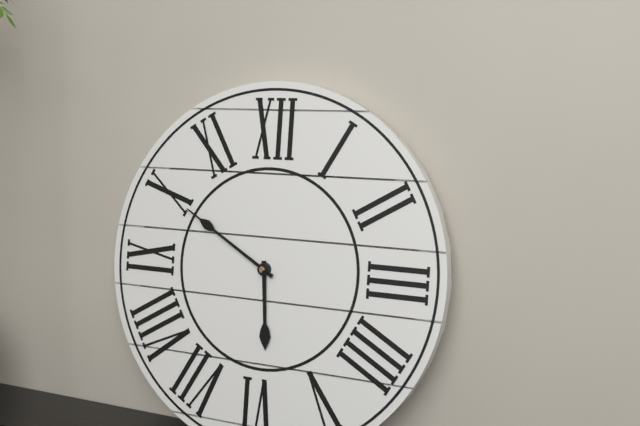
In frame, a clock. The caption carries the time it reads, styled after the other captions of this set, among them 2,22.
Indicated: 5,50
